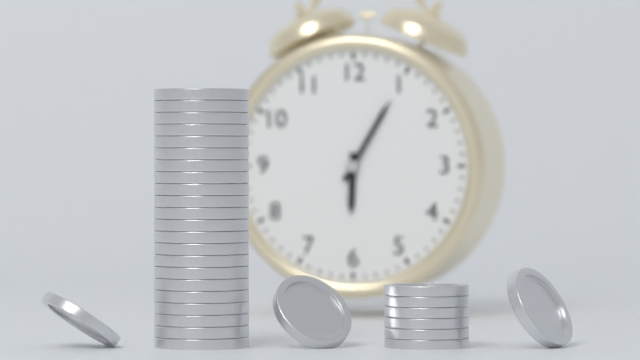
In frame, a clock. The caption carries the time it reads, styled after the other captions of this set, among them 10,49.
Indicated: 6,05
